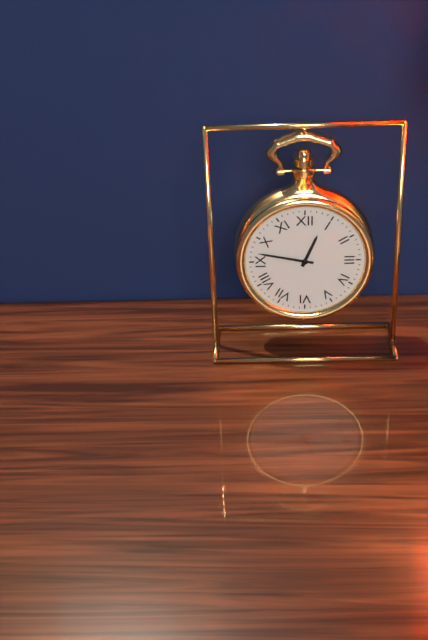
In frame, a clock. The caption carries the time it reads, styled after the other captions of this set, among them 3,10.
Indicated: 12,47
